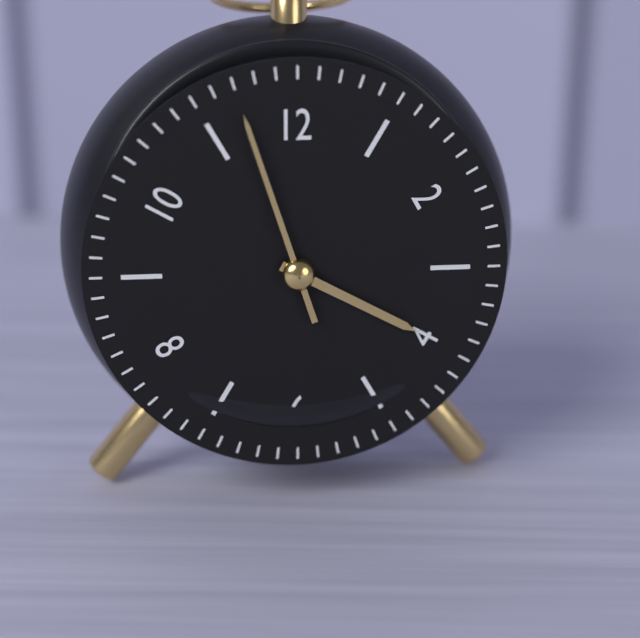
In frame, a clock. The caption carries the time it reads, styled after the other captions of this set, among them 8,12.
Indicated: 3,57
